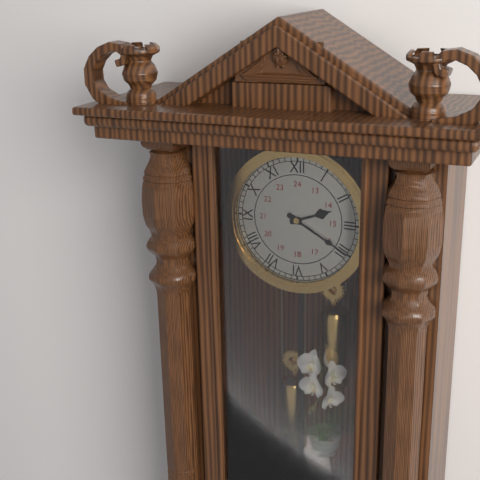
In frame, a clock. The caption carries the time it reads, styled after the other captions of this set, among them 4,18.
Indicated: 2,20
